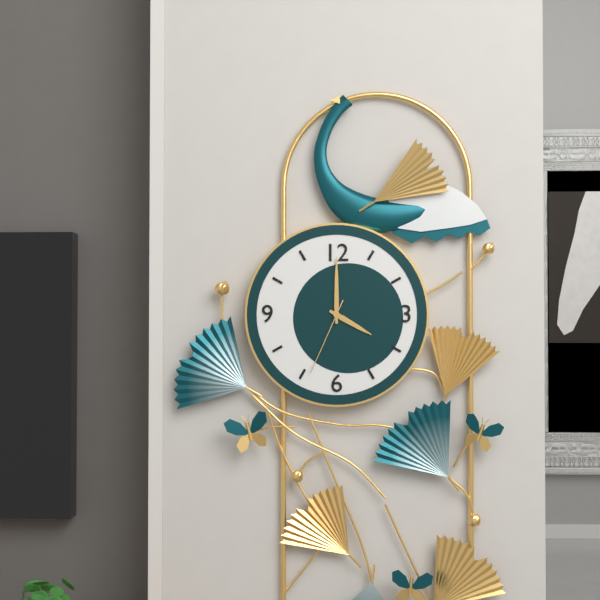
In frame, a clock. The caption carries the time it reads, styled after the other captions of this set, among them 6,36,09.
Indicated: 4,00,34
